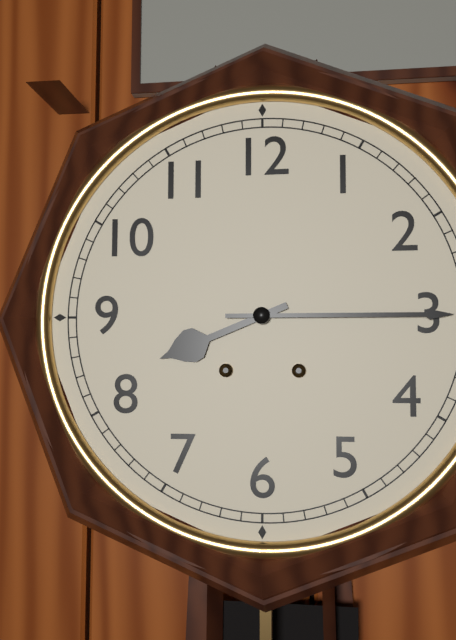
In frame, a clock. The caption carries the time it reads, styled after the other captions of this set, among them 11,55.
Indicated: 8,15
